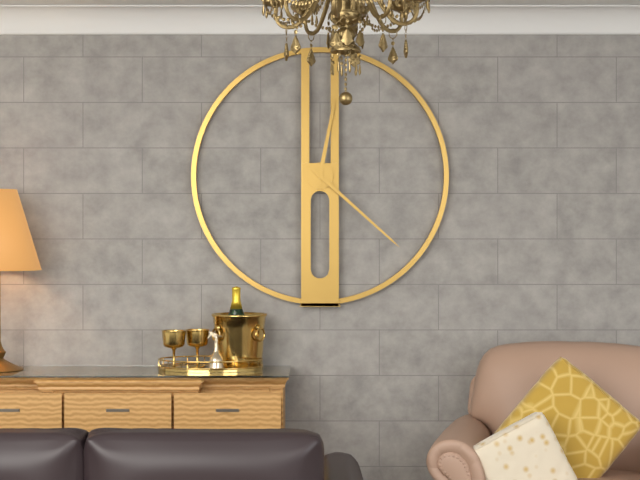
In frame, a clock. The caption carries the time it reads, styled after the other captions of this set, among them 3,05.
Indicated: 12,22
